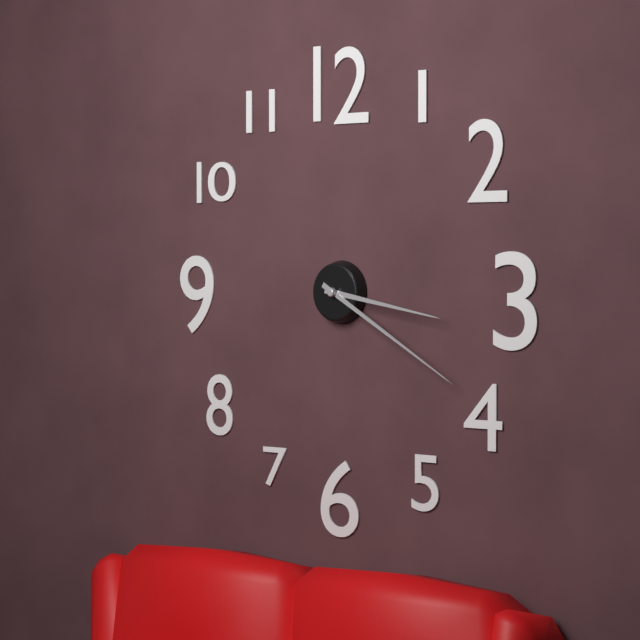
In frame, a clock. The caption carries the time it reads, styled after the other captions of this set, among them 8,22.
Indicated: 3,20
